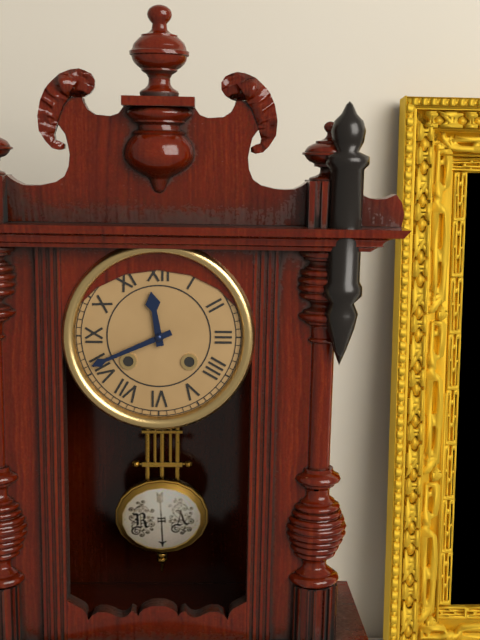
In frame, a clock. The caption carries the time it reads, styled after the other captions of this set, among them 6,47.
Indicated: 11,41
